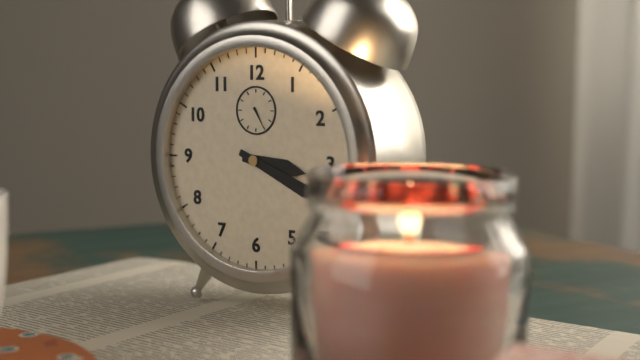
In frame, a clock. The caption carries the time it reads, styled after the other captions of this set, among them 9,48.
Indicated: 3,19
